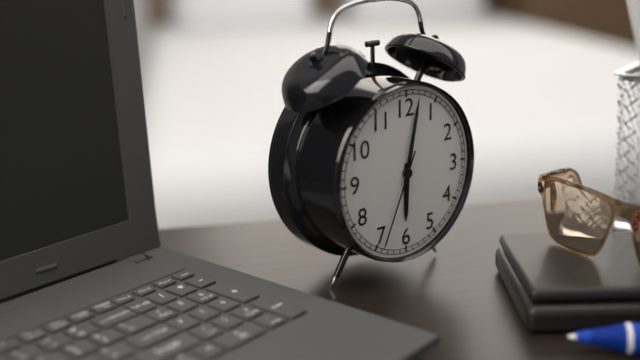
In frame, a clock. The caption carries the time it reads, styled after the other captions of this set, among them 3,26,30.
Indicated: 6,02,34
